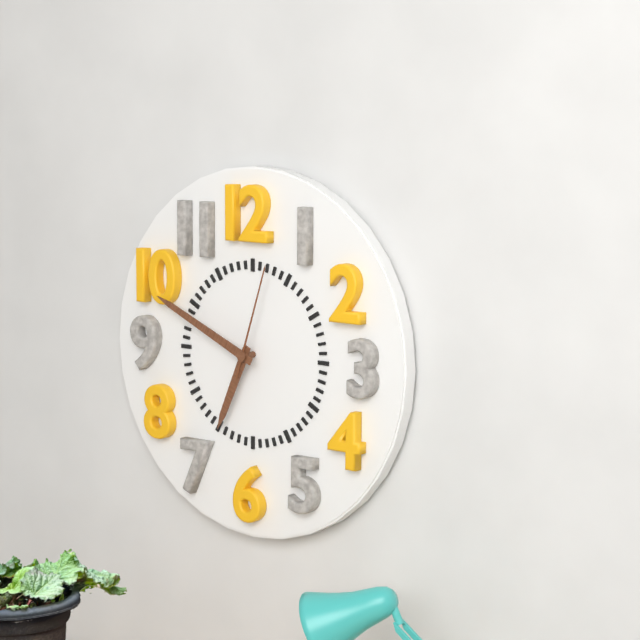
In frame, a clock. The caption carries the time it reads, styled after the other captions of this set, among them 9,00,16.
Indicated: 6,49,03
